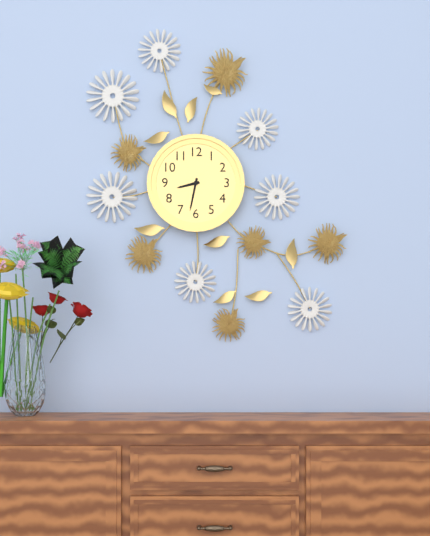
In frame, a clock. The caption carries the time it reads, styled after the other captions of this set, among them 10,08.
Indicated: 8,32
